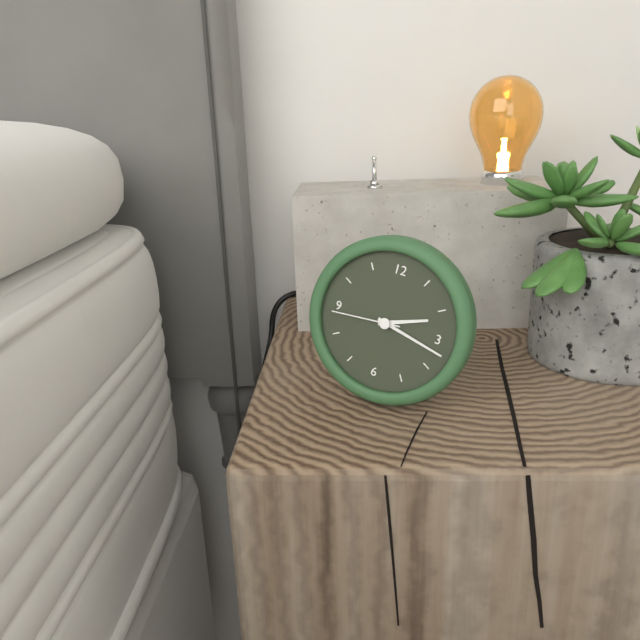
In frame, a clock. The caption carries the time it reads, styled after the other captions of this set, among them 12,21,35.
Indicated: 2,17,44
